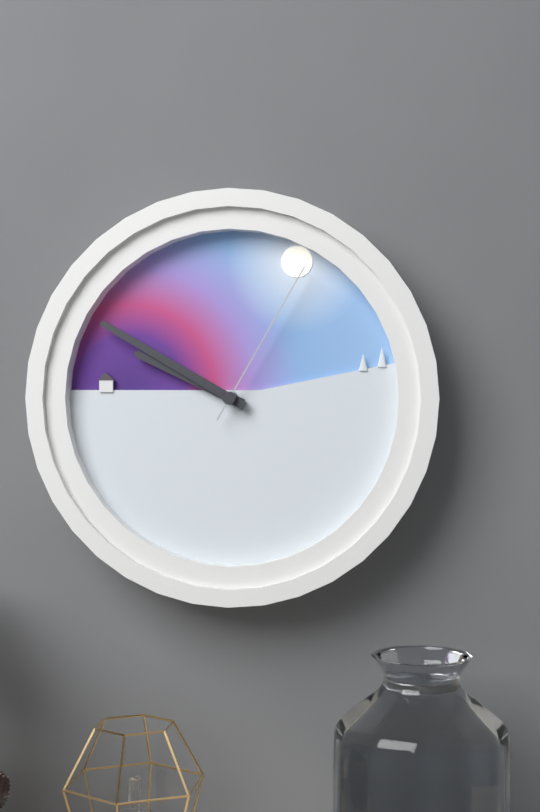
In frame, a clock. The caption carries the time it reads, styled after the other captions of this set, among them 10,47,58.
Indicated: 9,50,05
